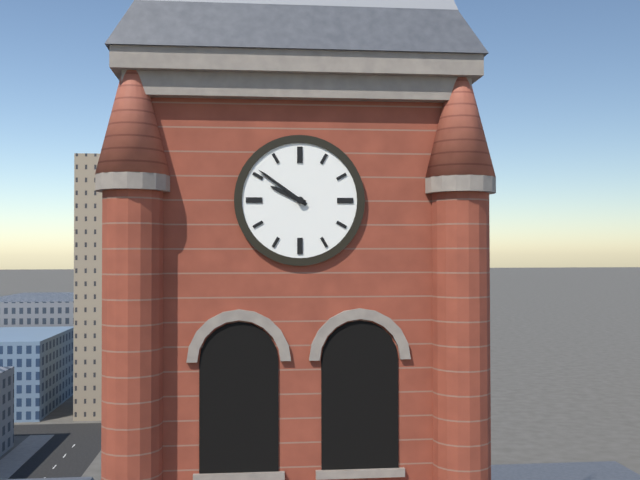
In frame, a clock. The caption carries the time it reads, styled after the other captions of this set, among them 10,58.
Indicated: 9,51
